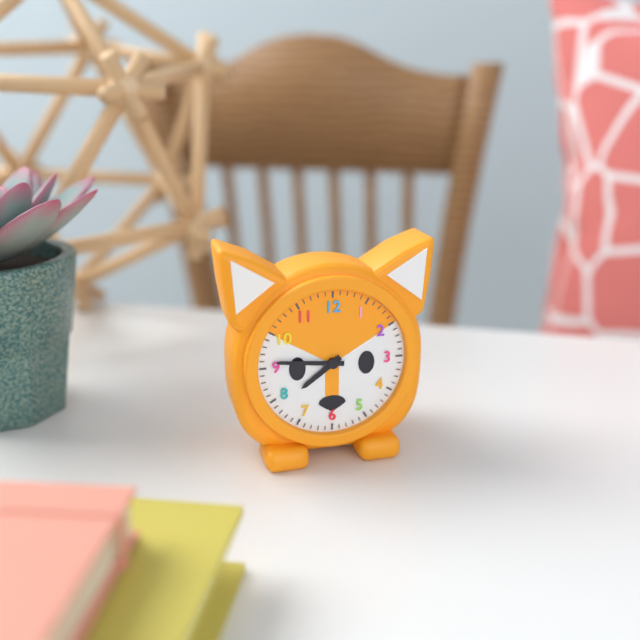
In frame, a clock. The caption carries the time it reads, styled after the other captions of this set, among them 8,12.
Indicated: 7,46
